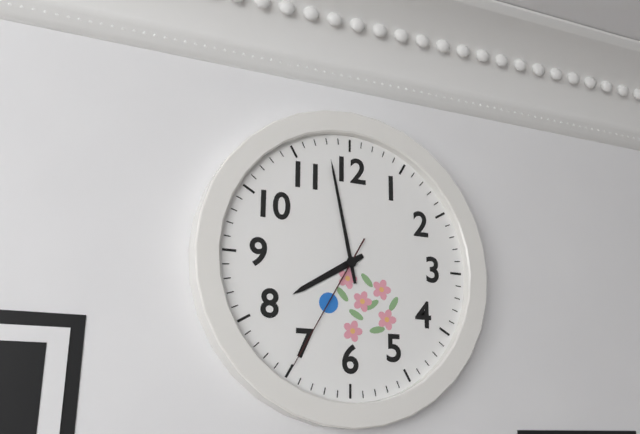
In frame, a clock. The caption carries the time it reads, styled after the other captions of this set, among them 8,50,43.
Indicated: 7,58,35
